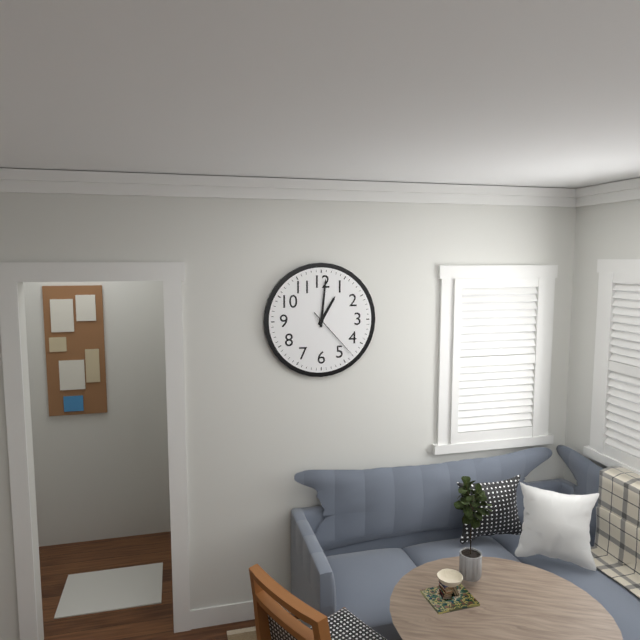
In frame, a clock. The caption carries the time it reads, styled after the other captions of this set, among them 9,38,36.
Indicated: 1,01,23
